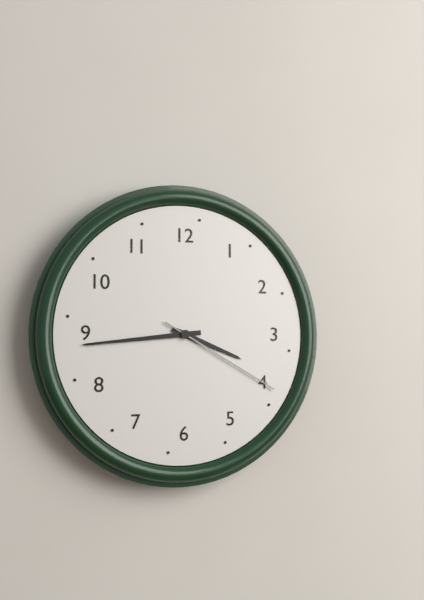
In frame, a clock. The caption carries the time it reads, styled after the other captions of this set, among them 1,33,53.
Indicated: 3,44,20
